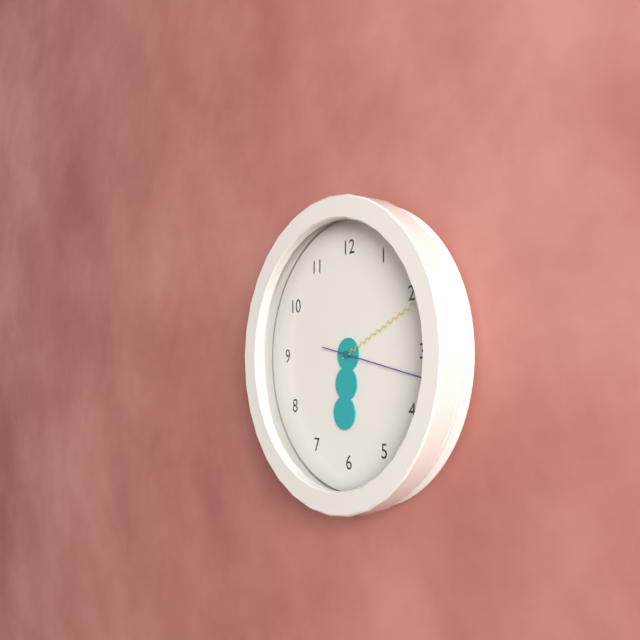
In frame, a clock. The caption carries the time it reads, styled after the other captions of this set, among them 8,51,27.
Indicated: 6,11,17
